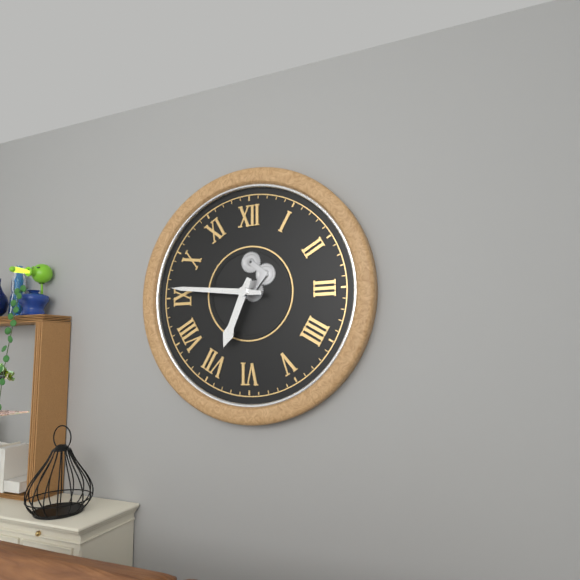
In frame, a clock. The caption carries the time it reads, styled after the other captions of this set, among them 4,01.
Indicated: 6,46
